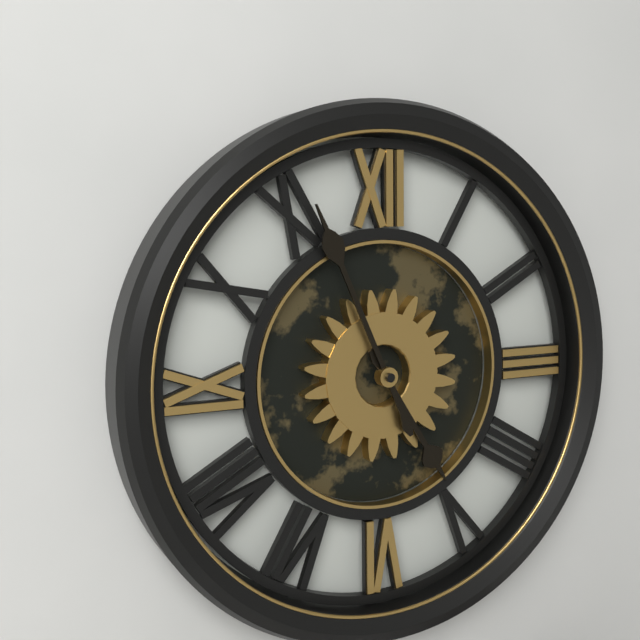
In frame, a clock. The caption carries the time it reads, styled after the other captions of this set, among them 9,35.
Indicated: 4,56
